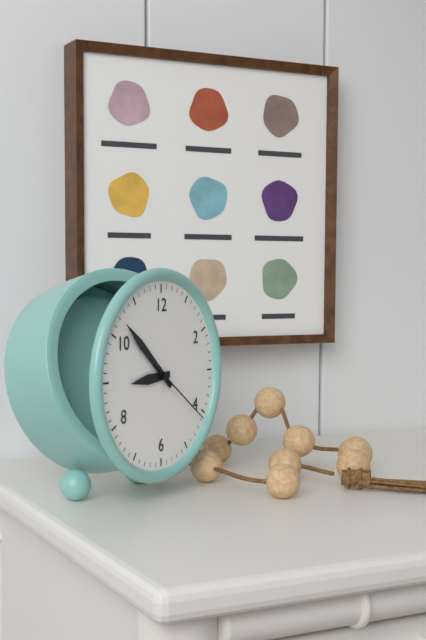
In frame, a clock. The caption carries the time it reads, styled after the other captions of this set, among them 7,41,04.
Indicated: 8,52,21
